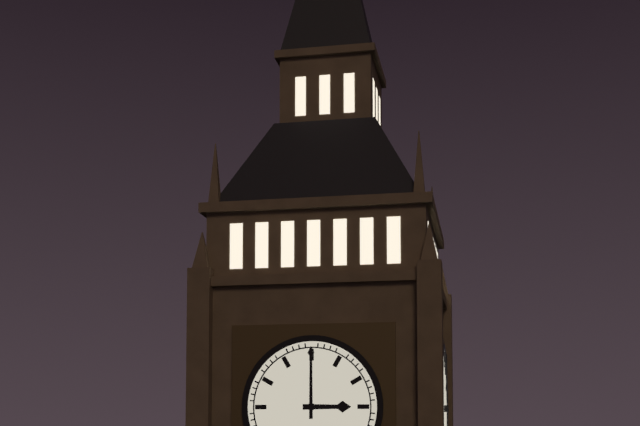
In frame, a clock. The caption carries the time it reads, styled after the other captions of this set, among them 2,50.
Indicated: 3,00
